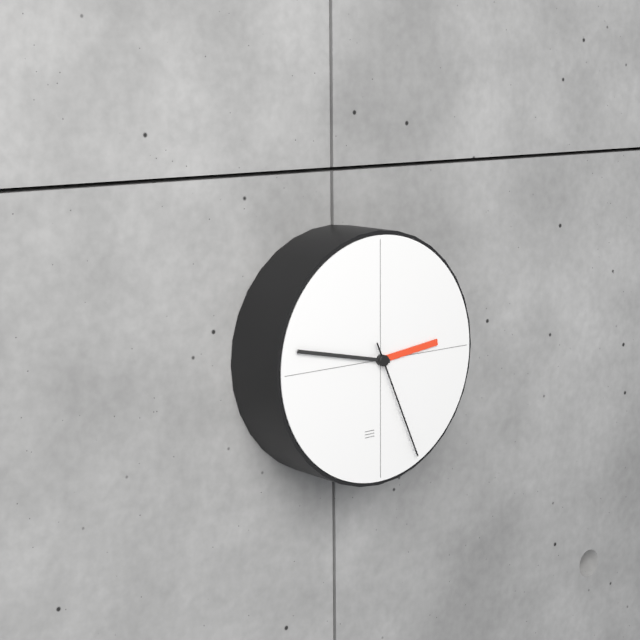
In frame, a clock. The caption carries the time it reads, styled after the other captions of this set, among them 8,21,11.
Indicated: 2,47,26
